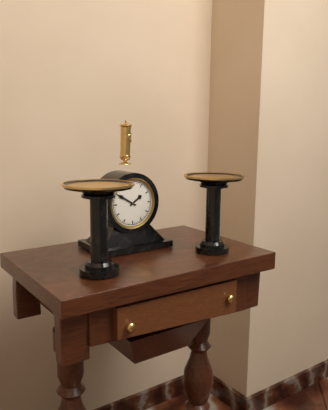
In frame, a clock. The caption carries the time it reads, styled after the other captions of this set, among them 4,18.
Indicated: 1,50
